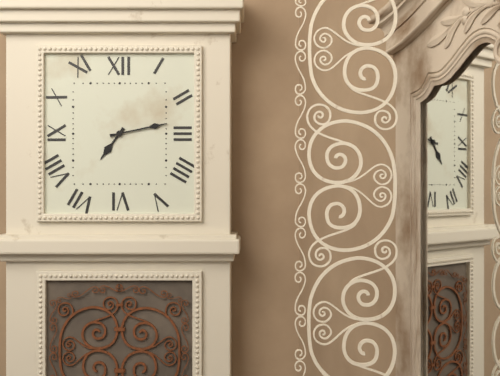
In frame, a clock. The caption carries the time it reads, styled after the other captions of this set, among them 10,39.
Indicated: 7,13
